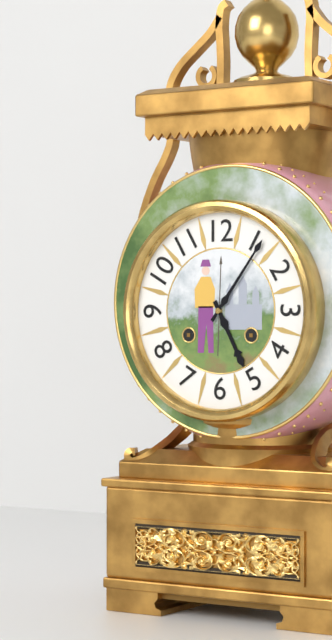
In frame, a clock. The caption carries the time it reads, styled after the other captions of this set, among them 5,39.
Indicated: 5,06
